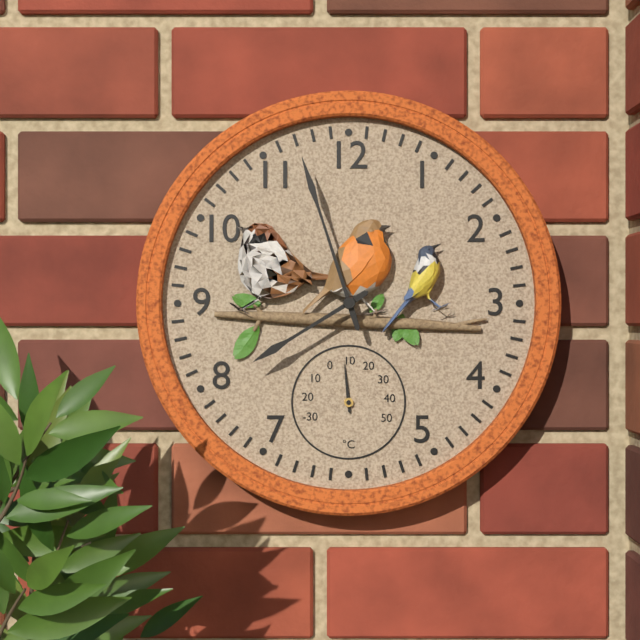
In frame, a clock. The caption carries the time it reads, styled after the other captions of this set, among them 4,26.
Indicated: 7,57
